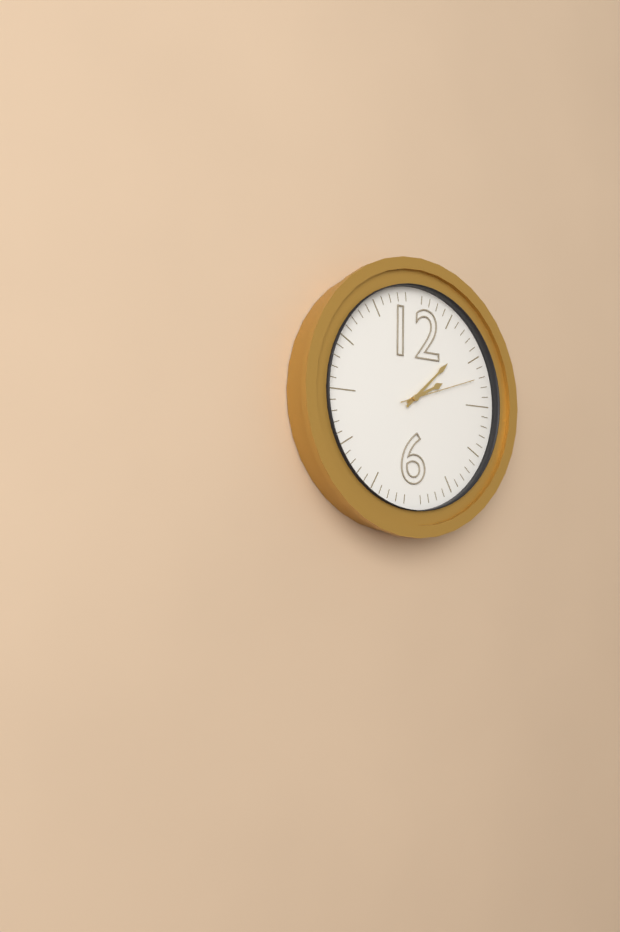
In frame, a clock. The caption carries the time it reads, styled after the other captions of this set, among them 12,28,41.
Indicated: 2,08,12
